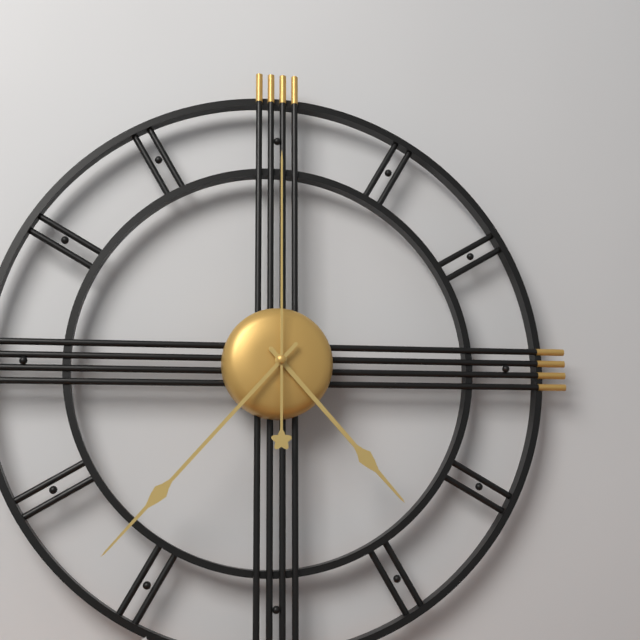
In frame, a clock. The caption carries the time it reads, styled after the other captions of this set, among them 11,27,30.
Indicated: 4,37,00
